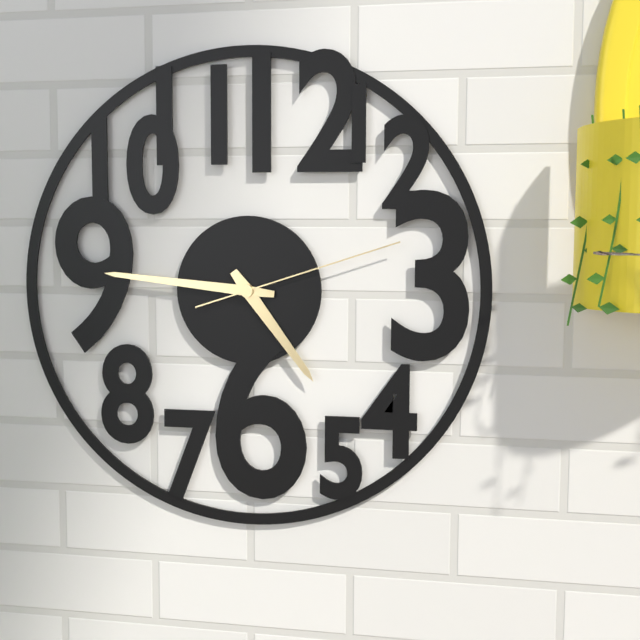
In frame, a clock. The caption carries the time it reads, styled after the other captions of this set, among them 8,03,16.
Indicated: 4,46,12
